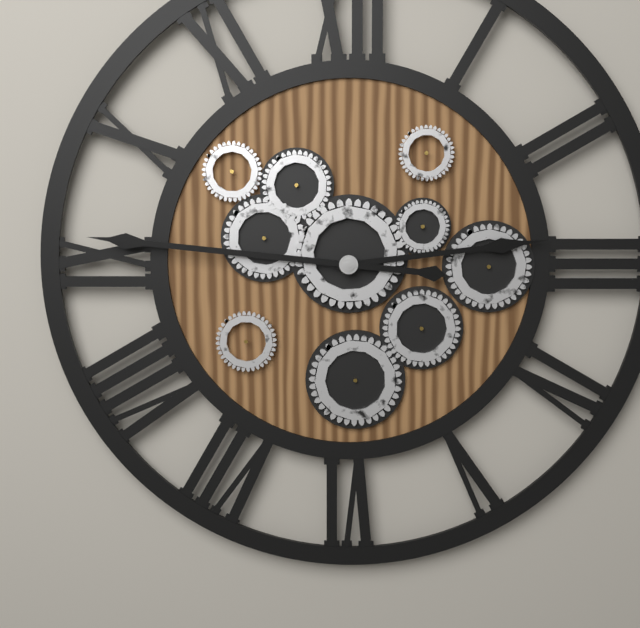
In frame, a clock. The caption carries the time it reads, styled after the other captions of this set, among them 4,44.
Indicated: 2,46
